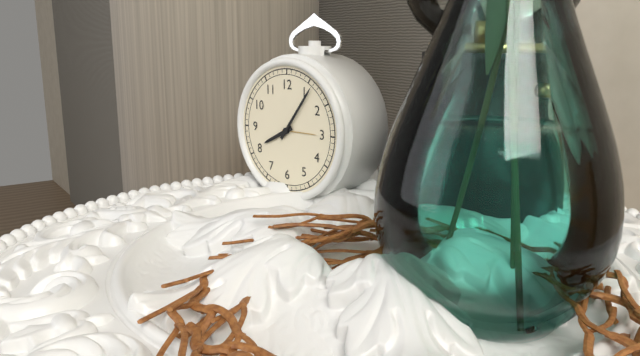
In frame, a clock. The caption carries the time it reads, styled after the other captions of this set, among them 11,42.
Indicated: 8,06
